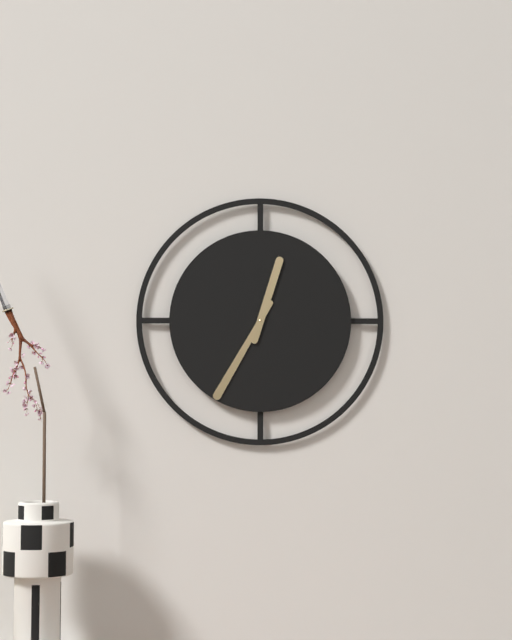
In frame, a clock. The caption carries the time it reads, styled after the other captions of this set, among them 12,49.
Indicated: 12,35
